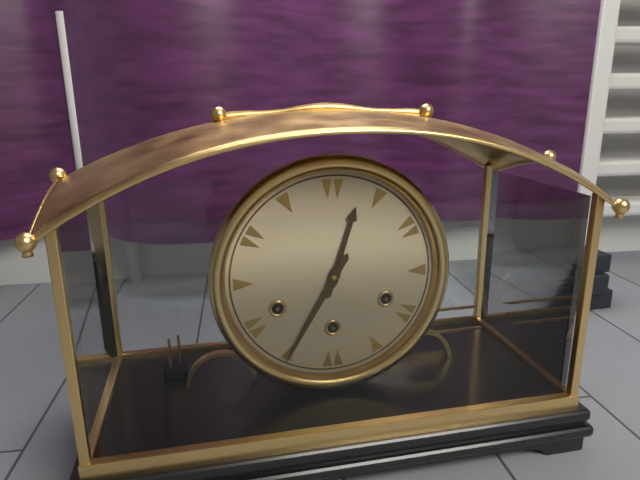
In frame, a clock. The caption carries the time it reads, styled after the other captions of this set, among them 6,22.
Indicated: 12,35
